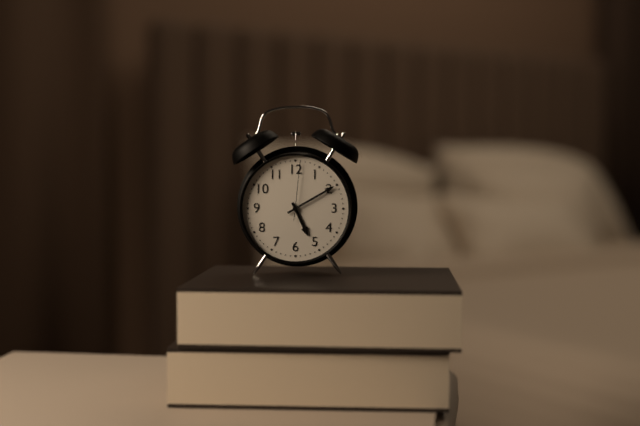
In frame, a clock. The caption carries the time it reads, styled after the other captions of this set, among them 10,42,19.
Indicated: 5,10,01
